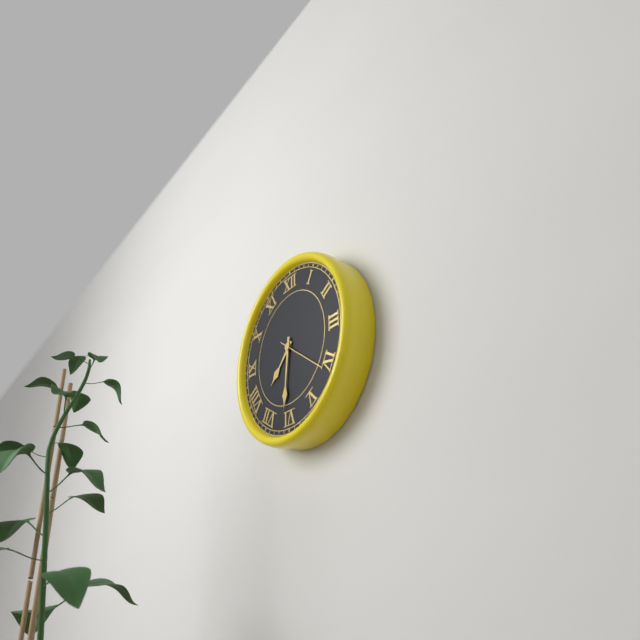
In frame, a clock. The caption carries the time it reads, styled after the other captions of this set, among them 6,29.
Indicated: 7,31
